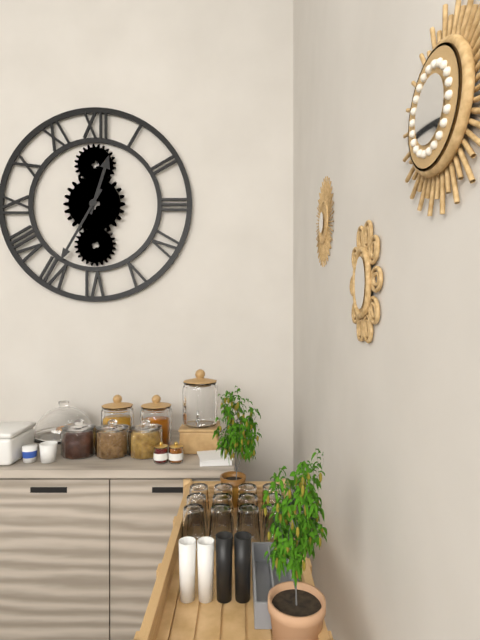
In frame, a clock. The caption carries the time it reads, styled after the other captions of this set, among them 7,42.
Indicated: 12,35
